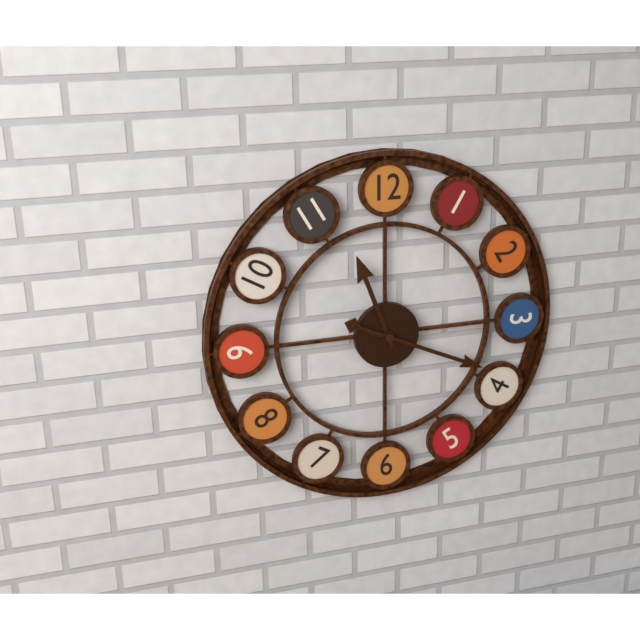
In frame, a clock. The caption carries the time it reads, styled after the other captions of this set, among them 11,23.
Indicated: 11,19
